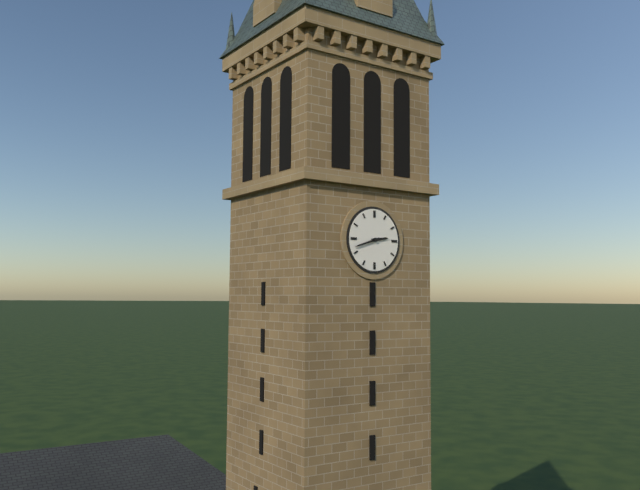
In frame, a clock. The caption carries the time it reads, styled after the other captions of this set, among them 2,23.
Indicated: 2,42
